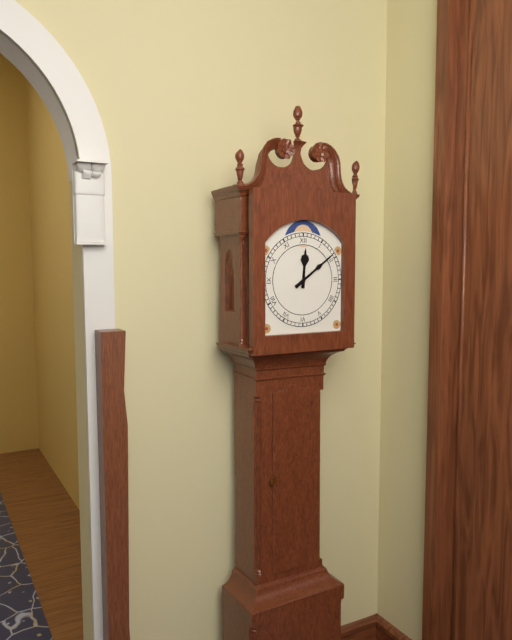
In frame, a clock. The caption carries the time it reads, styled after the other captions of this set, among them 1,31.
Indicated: 12,09
